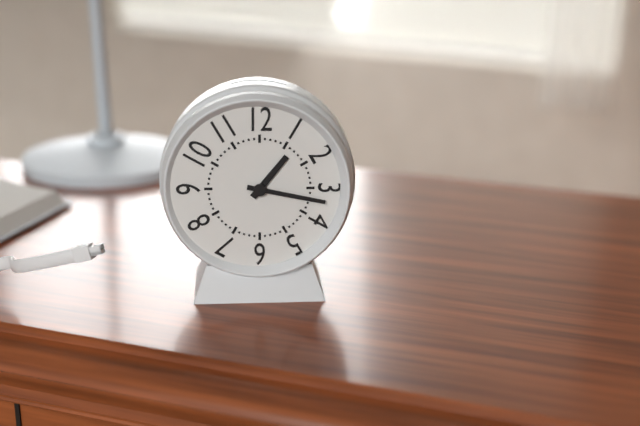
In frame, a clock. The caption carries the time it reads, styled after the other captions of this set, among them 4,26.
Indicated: 1,17
